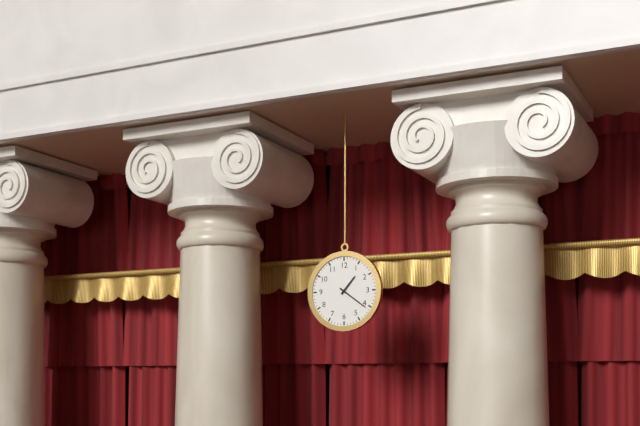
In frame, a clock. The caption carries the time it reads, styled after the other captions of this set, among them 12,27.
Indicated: 1,21
